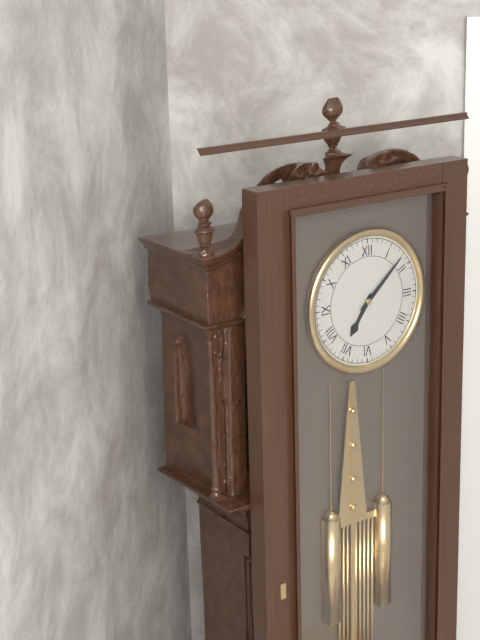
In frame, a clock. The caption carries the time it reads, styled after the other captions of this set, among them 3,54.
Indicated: 7,08
